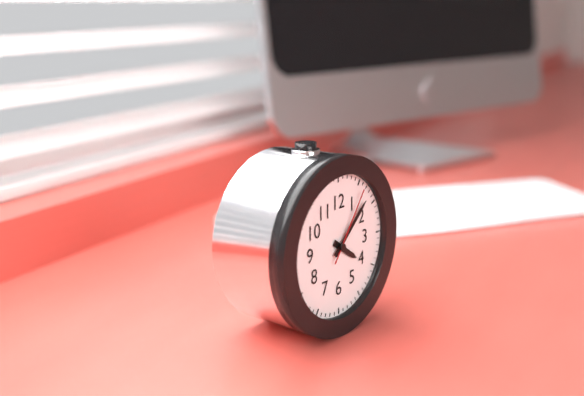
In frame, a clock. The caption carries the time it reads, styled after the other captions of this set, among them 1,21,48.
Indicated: 4,08,06
